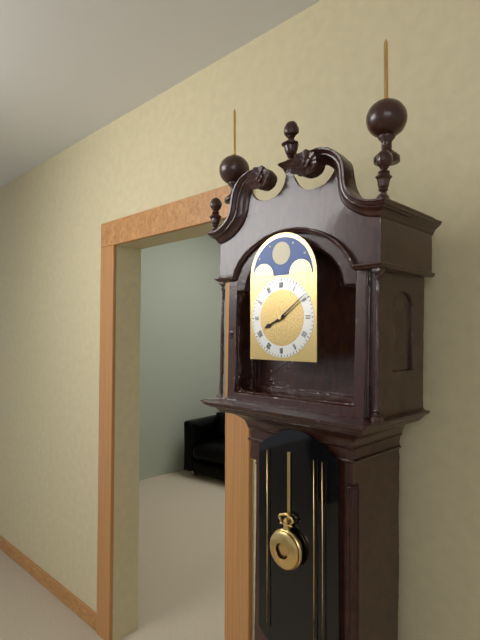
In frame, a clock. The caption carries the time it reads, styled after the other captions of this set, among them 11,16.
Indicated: 8,09
